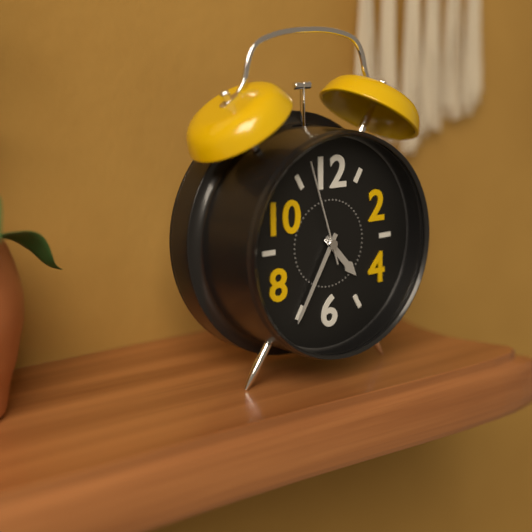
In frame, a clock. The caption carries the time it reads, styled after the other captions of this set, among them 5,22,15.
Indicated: 4,35,57
